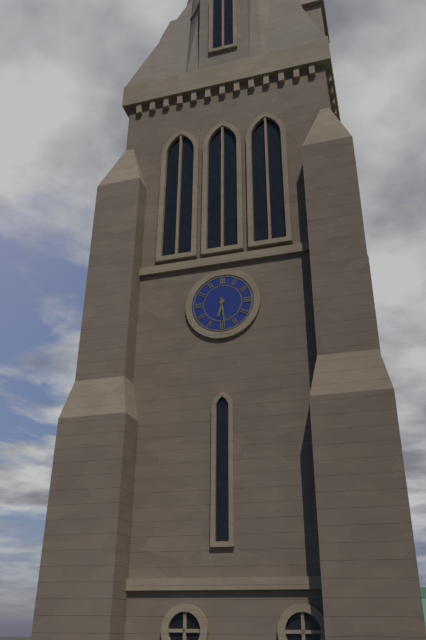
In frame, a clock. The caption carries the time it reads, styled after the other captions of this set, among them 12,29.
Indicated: 6,29
